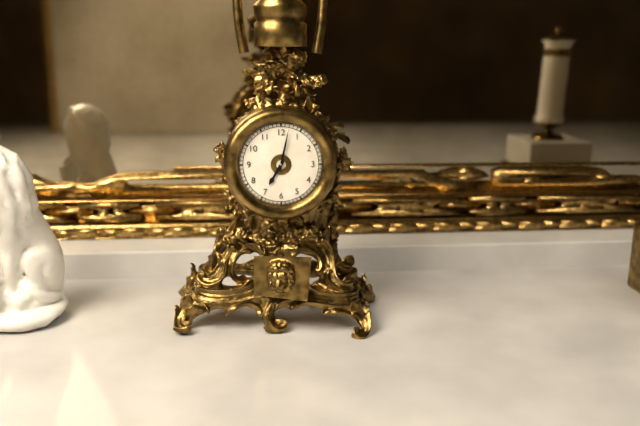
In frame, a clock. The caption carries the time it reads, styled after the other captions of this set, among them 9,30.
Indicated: 7,02
